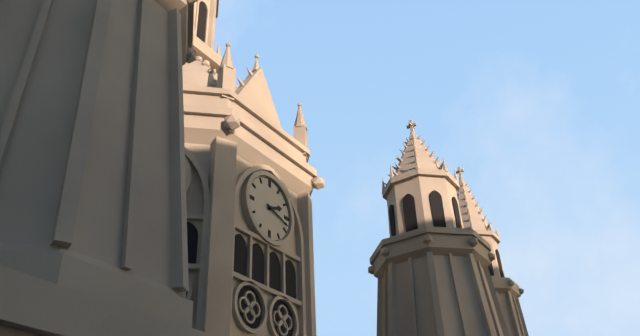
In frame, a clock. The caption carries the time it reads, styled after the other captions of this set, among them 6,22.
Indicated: 2,18
